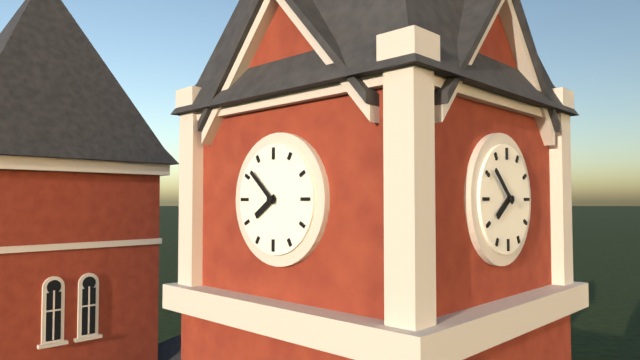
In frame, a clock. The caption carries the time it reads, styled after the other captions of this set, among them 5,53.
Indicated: 7,52
